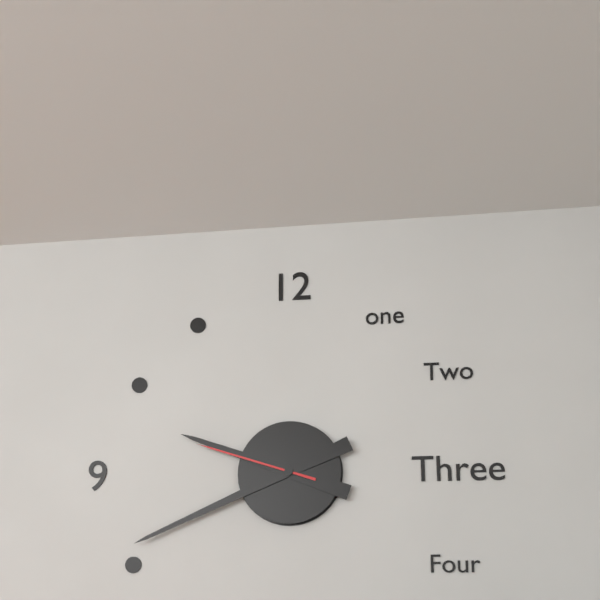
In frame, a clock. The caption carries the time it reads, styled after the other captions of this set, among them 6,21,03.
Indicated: 9,41,48
